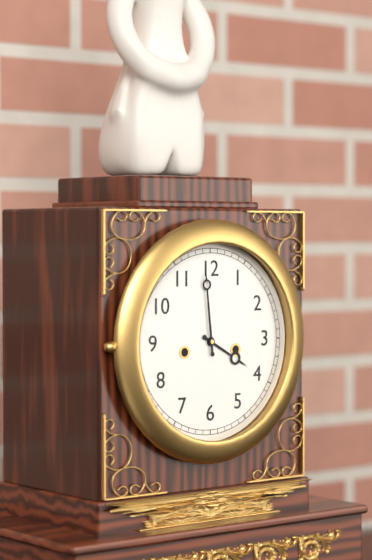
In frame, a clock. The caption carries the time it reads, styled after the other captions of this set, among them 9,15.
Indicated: 3,59
